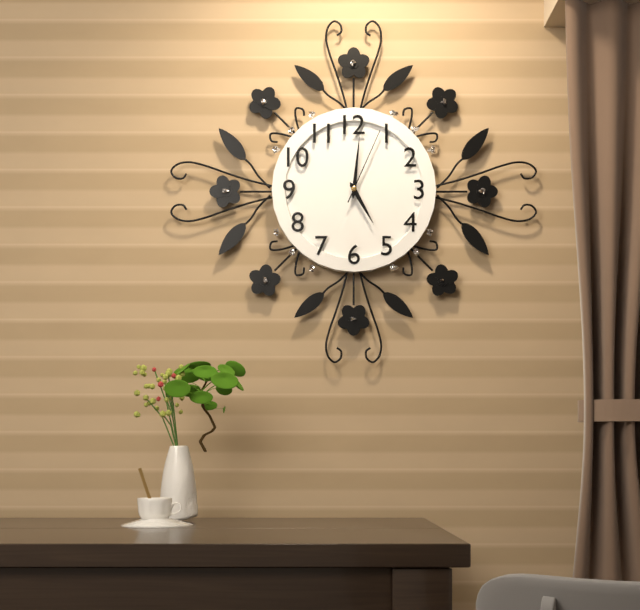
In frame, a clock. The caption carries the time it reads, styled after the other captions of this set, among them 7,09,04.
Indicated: 5,01,04
